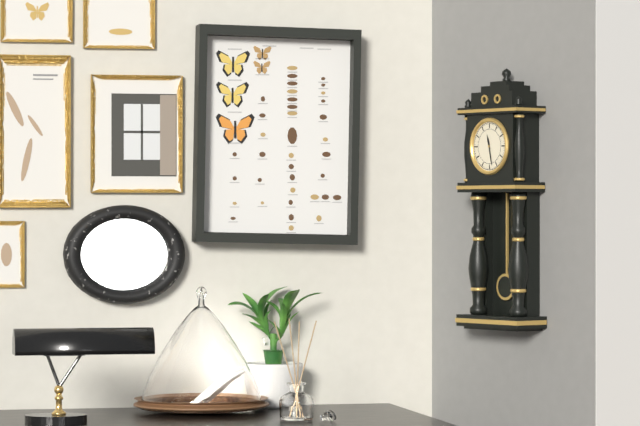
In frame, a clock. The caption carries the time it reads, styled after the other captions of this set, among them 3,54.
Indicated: 11,28
